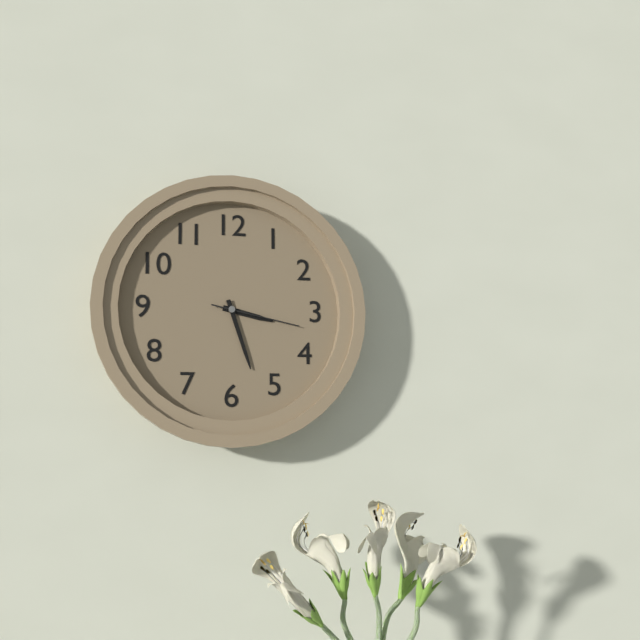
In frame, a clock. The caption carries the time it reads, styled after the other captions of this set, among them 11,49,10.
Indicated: 3,27,17
